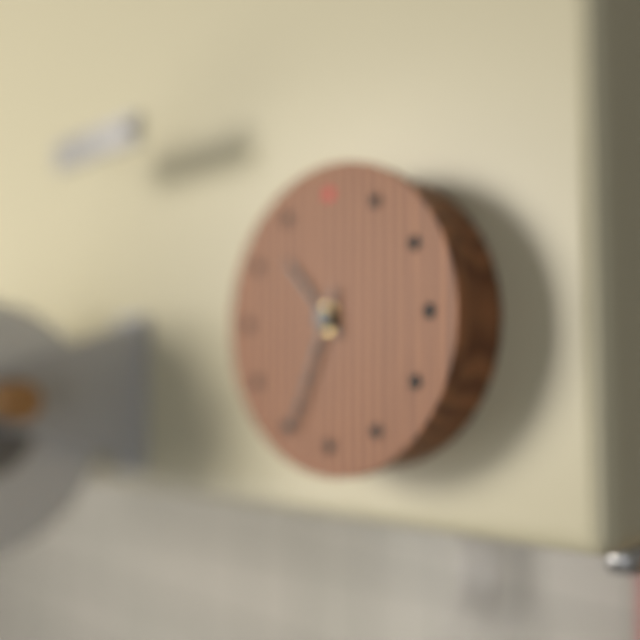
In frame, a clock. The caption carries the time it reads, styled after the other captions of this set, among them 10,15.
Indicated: 10,34
